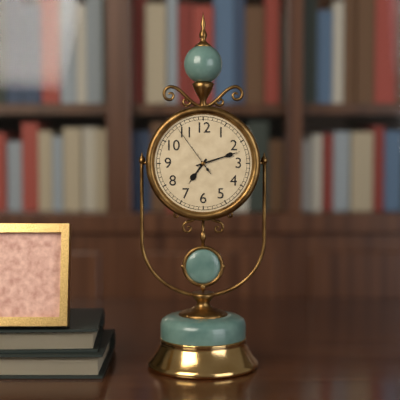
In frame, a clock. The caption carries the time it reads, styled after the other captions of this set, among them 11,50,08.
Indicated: 7,12,54
